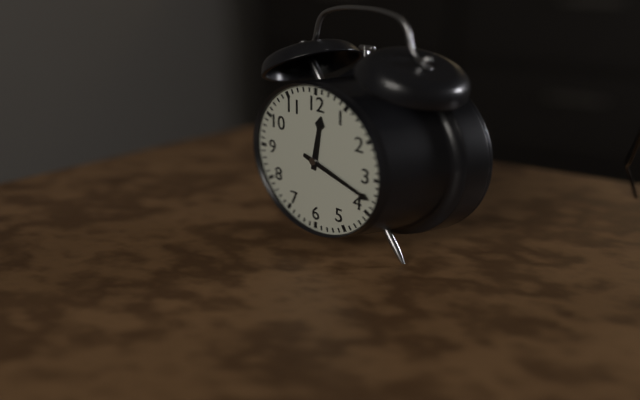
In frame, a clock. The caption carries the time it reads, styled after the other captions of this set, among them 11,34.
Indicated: 12,18
